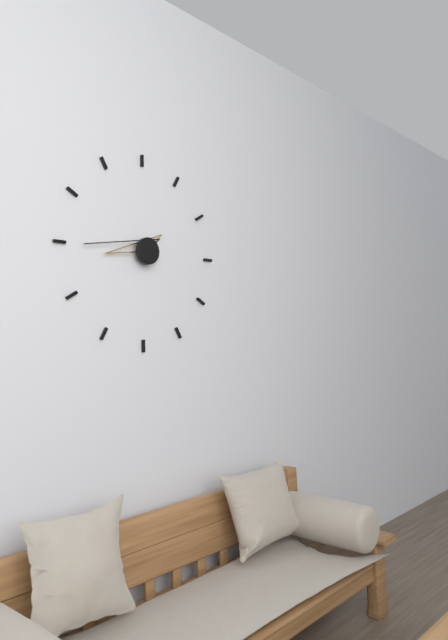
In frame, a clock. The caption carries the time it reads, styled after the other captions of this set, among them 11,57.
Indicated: 8,45
